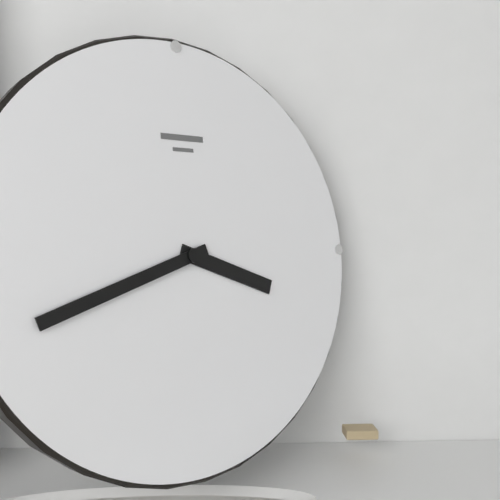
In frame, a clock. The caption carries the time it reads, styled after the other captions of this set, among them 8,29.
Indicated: 3,42
